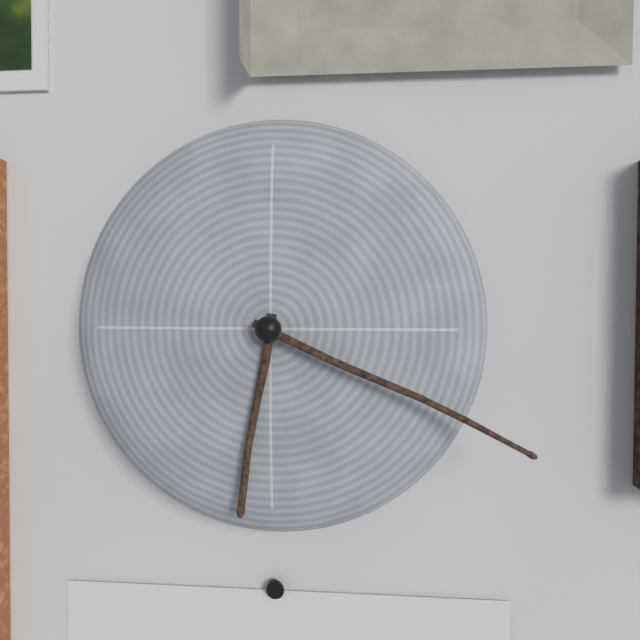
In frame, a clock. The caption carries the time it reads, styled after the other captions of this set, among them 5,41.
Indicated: 6,19
